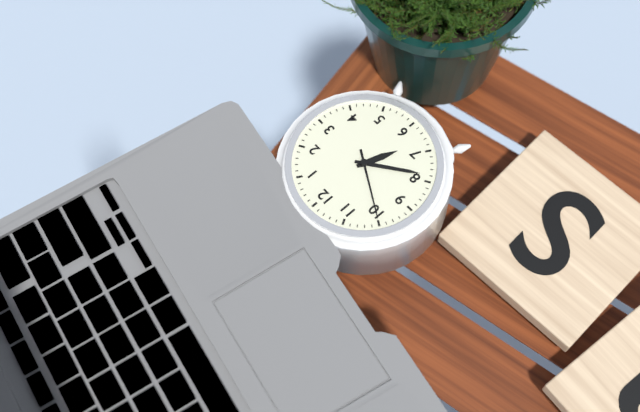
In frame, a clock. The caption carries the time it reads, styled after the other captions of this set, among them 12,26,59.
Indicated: 6,39,50
